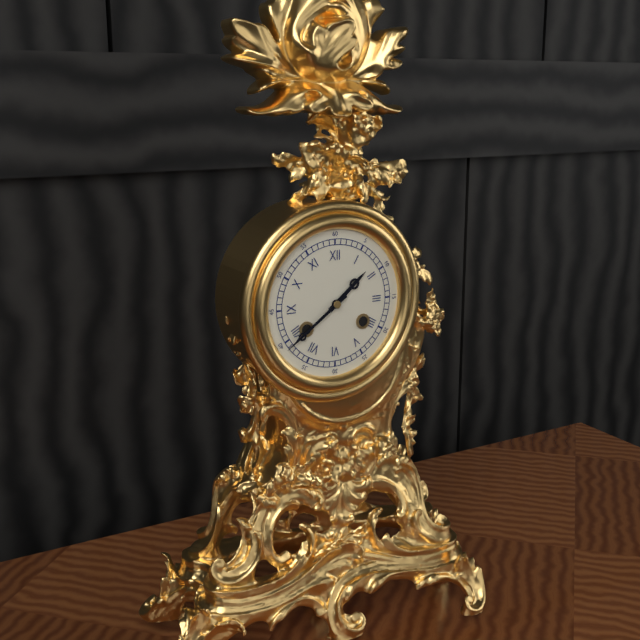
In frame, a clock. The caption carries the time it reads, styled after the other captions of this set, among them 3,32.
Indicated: 1,39
